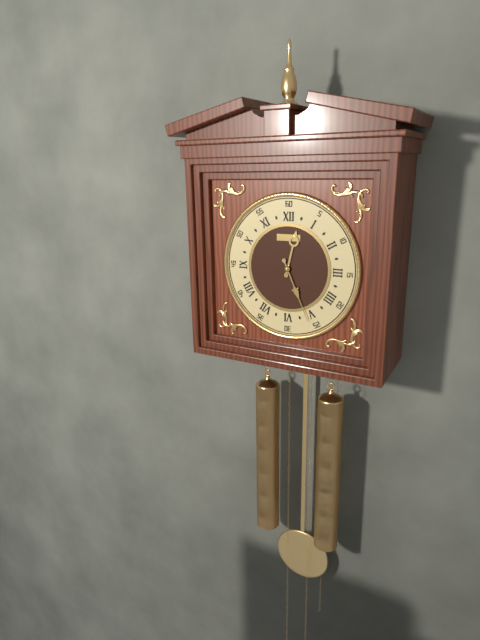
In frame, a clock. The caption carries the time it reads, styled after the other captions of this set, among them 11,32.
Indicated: 12,26
